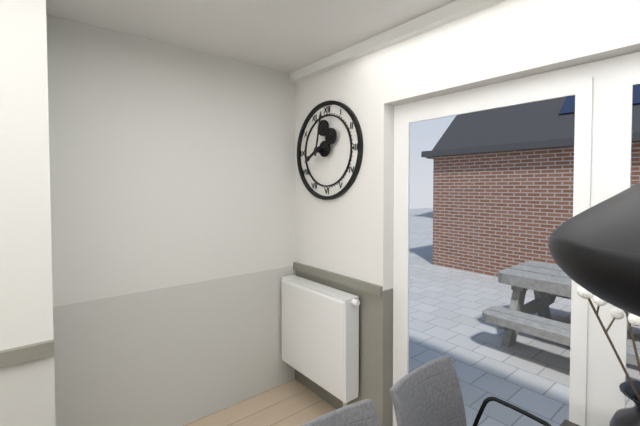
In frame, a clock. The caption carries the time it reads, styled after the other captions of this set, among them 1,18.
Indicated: 8,02
